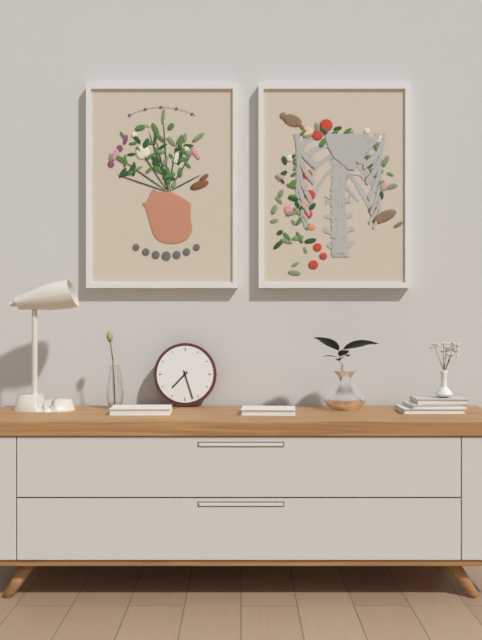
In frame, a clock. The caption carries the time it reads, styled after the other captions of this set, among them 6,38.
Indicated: 7,27
